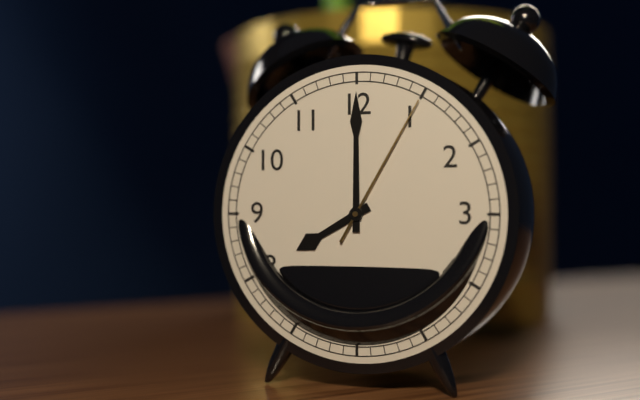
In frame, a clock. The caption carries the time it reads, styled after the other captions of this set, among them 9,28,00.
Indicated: 8,00,05
